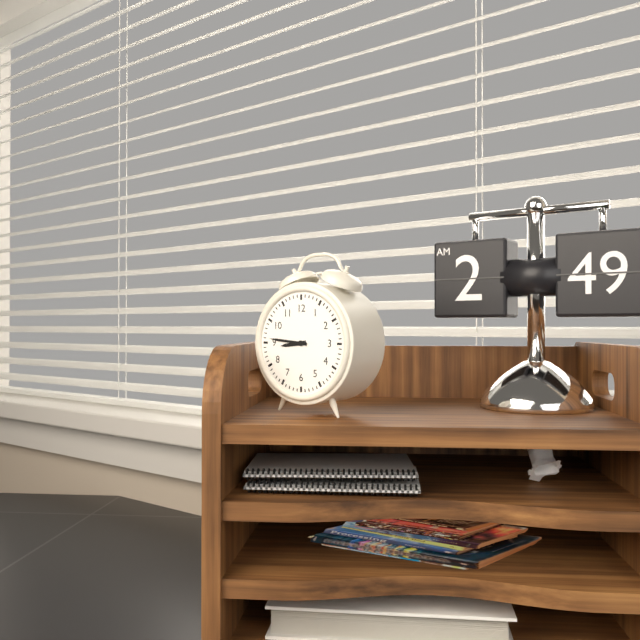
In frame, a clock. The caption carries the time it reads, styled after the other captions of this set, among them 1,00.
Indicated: 8,46
